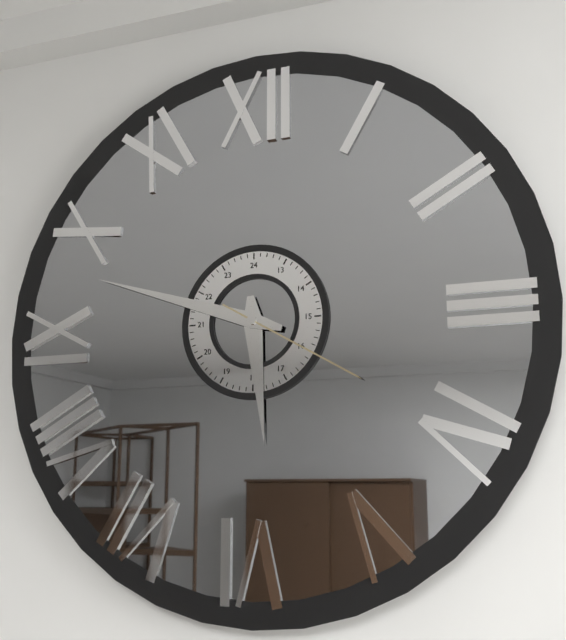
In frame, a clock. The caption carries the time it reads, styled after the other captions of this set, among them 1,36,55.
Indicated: 5,48,20
